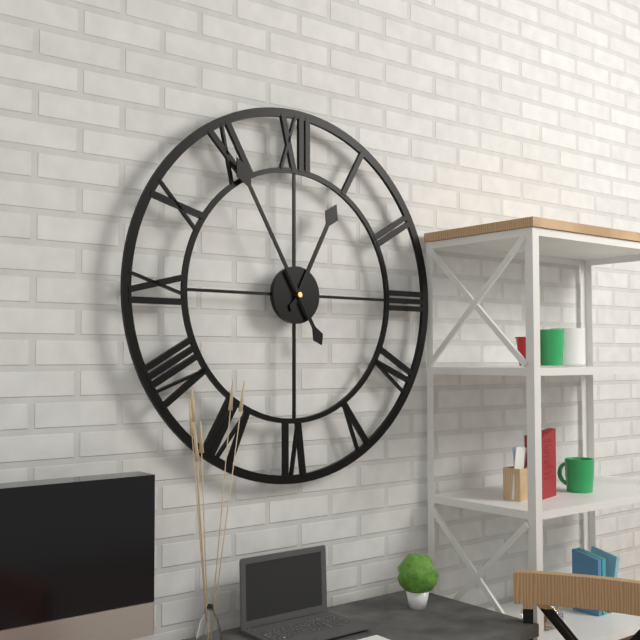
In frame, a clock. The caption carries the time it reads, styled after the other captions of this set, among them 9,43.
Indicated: 12,55
